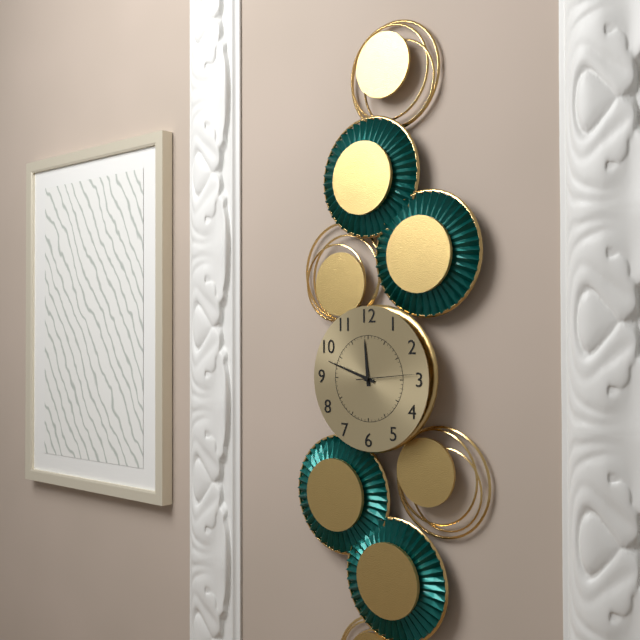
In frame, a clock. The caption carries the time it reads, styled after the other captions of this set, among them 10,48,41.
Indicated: 11,48,14
